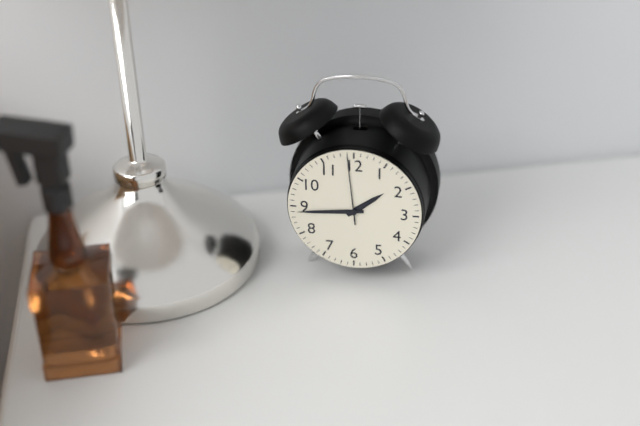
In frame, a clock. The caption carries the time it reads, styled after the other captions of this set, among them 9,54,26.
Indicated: 1,44,59
